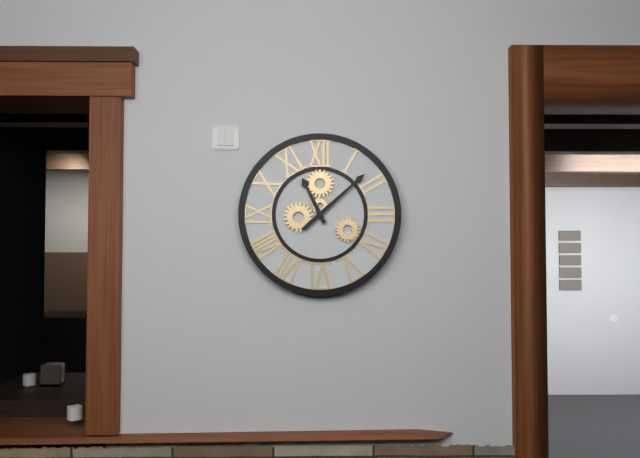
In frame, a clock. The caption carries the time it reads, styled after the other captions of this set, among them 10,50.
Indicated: 11,08
